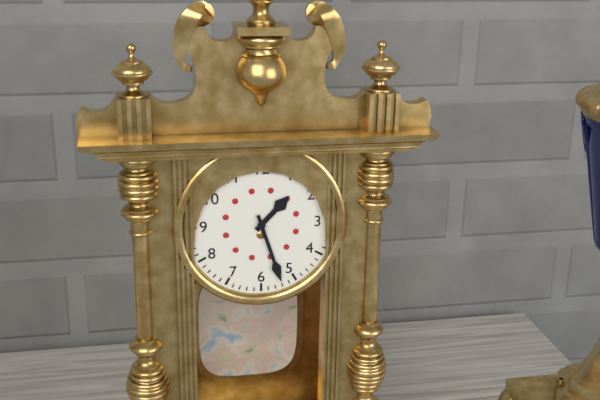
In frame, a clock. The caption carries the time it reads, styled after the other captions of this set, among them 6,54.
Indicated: 1,27
